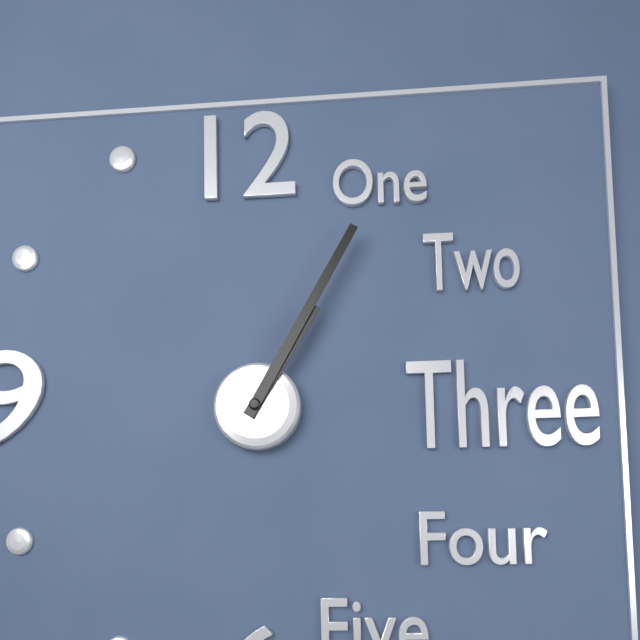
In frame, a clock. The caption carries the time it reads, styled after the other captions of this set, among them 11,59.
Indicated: 1,05
